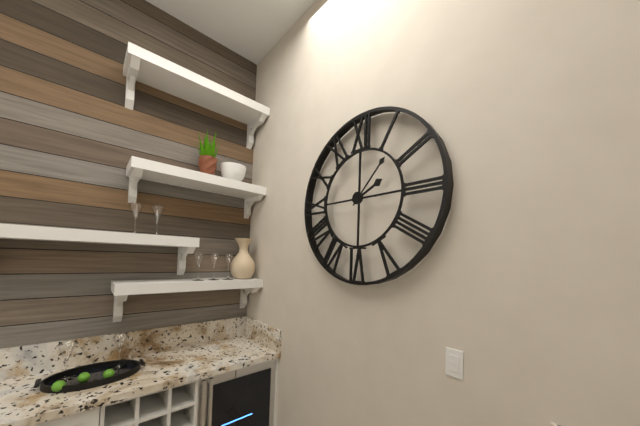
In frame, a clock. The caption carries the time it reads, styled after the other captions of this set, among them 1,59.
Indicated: 2,07
